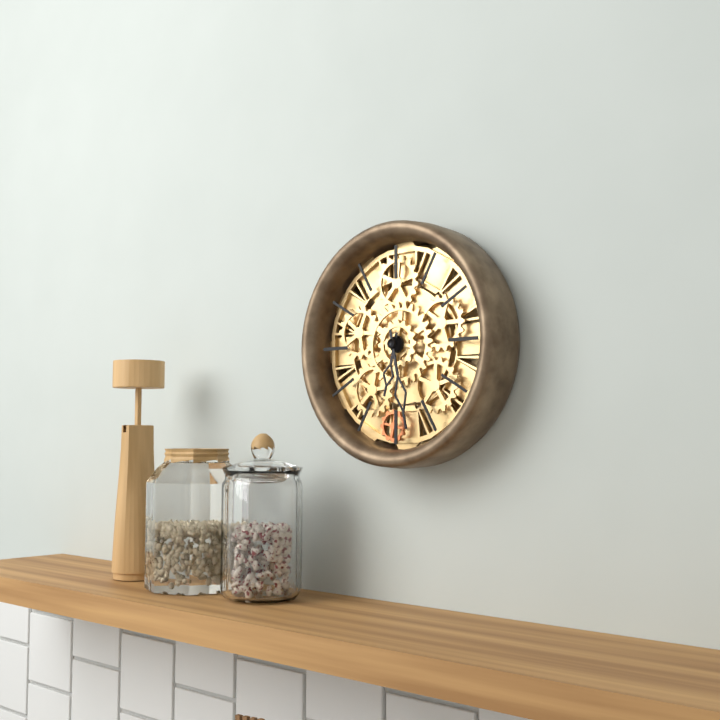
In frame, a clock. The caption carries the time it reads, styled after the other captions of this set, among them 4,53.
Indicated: 6,28
